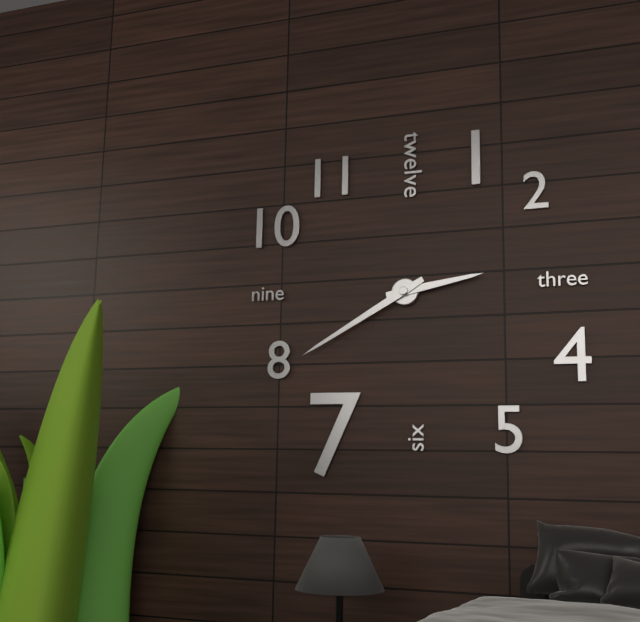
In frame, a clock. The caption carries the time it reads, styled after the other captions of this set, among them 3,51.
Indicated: 2,40
